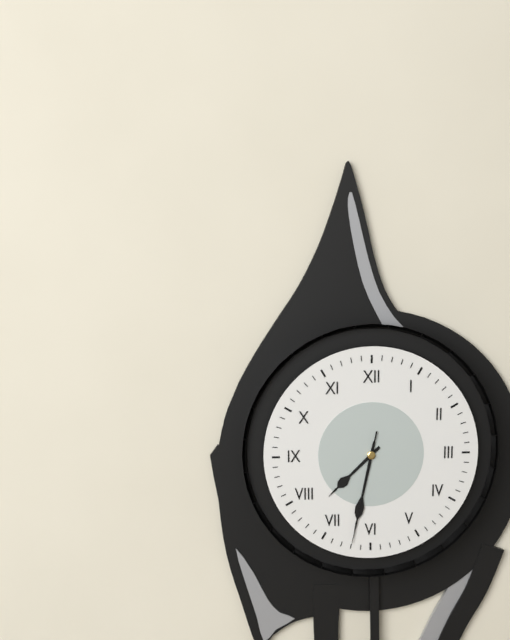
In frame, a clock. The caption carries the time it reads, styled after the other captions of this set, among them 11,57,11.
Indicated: 7,32,32
